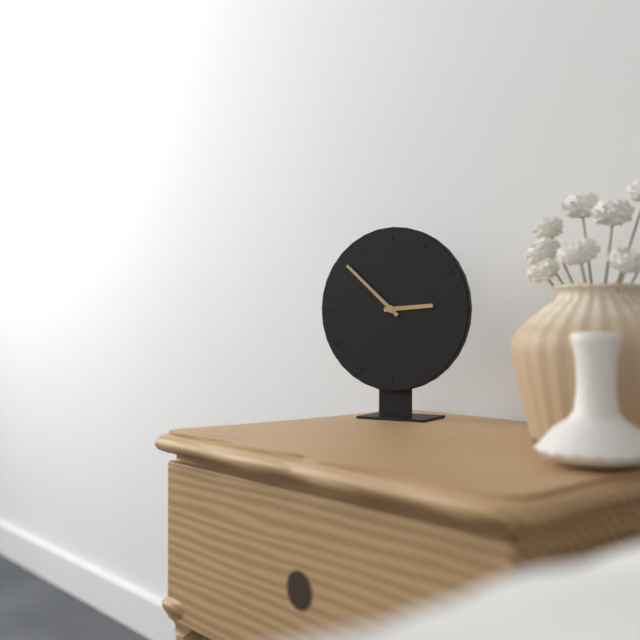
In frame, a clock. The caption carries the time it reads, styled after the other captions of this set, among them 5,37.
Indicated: 2,52
